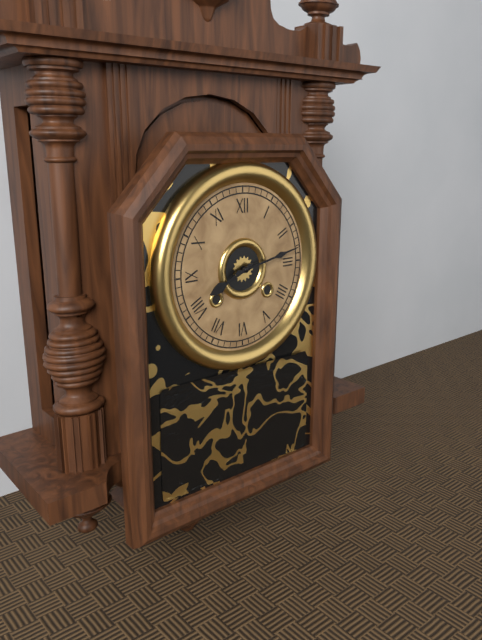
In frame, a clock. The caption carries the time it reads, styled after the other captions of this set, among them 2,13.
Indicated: 8,13
